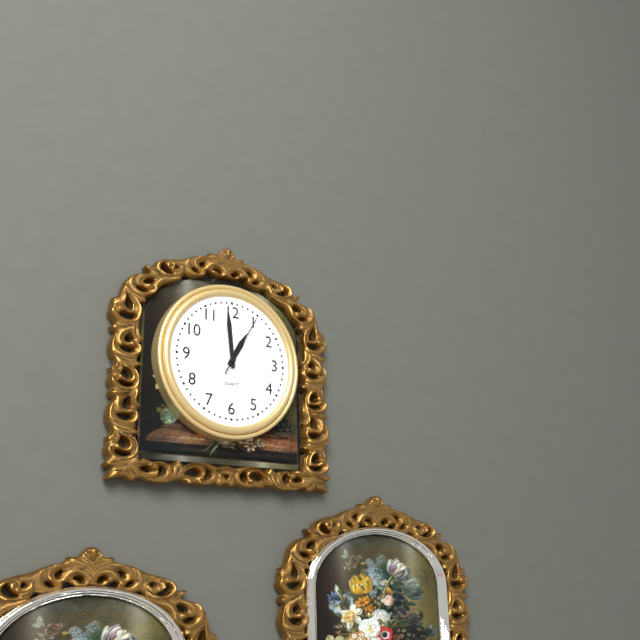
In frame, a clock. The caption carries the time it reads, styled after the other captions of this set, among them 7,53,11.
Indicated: 12,59,05
